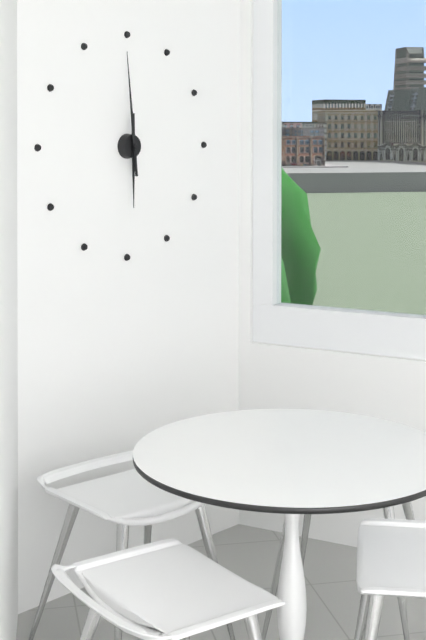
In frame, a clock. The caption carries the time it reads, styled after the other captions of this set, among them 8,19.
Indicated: 5,59
